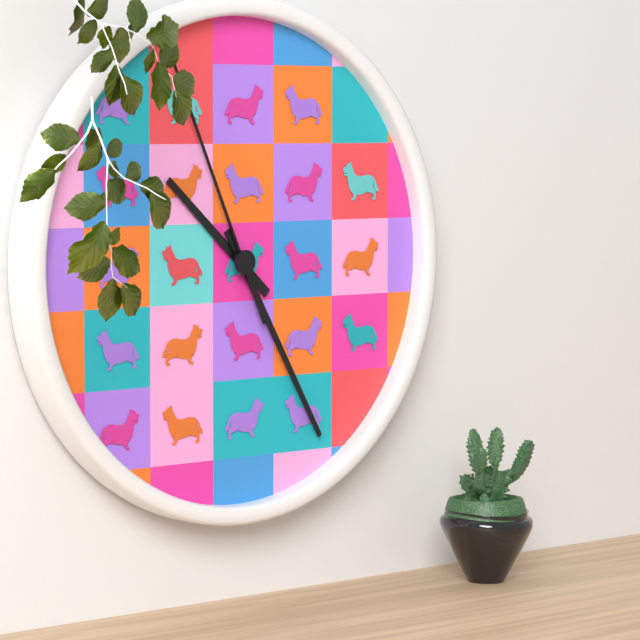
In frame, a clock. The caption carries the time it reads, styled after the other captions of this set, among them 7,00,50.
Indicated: 10,25,56
